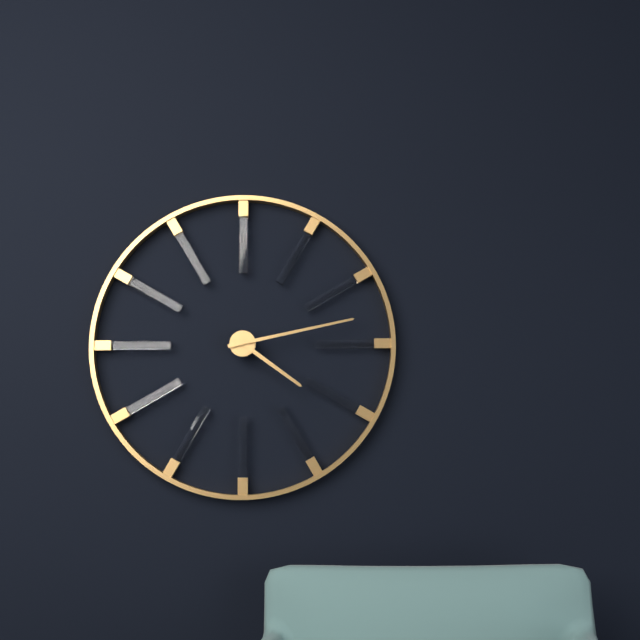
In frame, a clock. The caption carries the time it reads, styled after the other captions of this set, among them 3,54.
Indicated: 4,13
